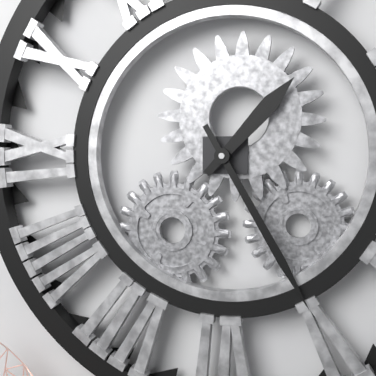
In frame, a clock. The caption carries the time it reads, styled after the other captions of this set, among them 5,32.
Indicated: 1,25
